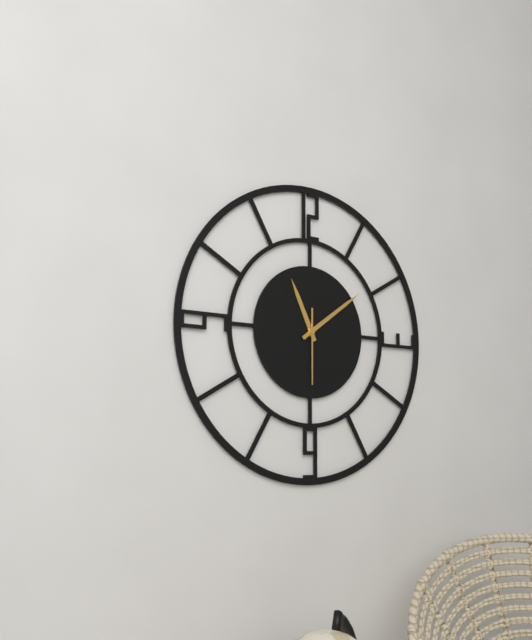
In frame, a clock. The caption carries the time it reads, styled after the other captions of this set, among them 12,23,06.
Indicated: 11,09,30
